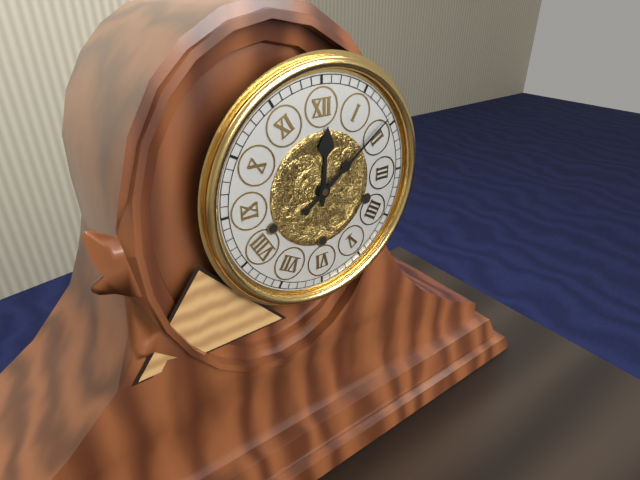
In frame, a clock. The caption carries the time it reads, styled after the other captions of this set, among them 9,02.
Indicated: 12,09
